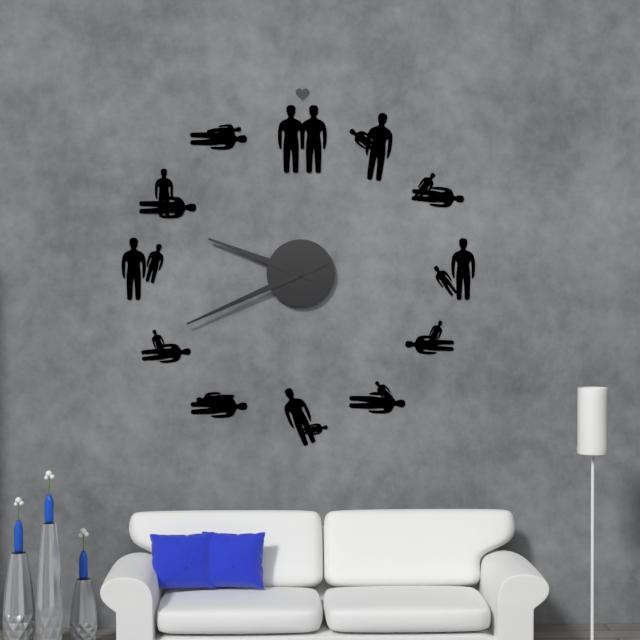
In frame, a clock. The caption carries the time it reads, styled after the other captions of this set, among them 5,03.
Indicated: 9,41
